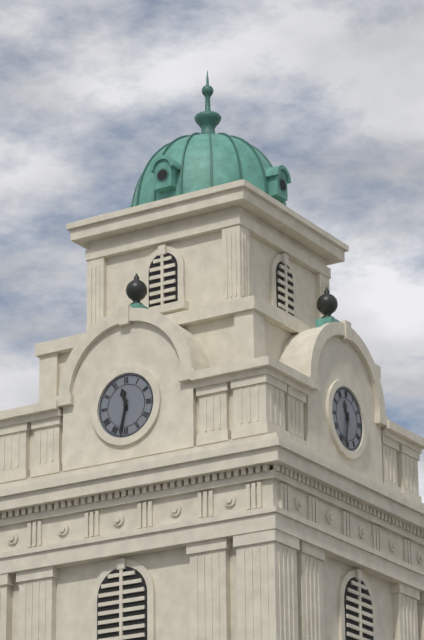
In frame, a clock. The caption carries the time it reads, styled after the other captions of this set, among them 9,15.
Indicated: 11,32
